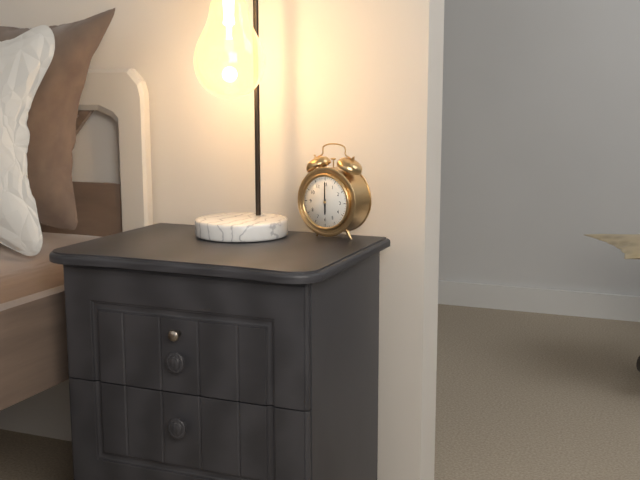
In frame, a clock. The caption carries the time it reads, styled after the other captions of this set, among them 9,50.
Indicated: 6,00
